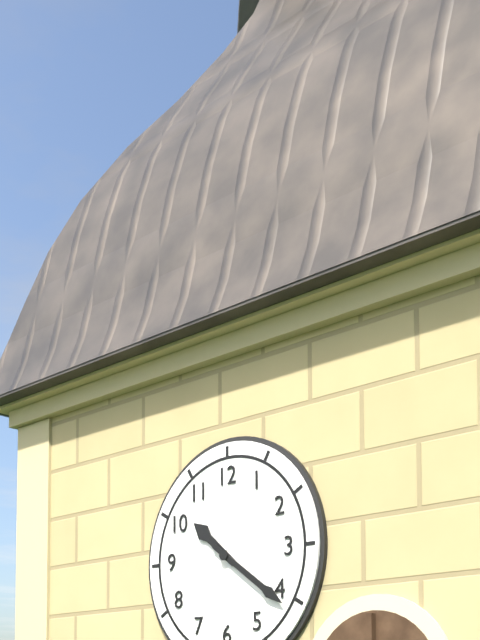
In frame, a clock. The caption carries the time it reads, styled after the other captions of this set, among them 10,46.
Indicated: 10,21
